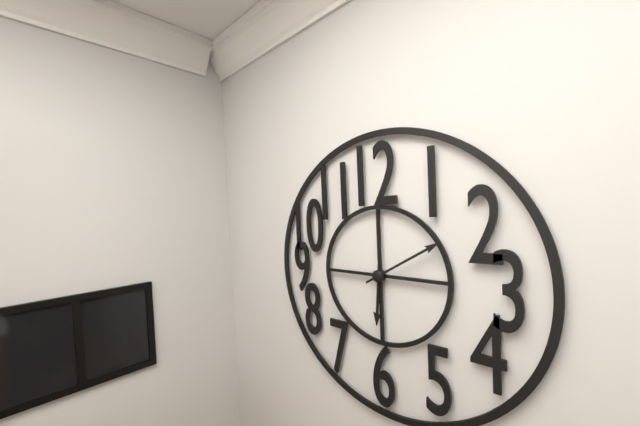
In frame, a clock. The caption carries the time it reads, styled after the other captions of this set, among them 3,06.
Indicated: 6,10
